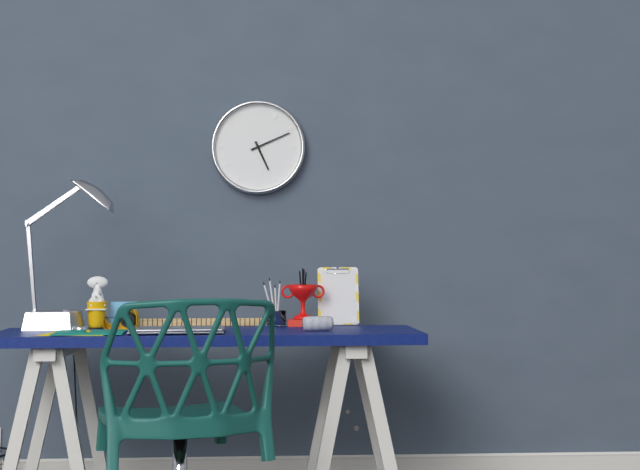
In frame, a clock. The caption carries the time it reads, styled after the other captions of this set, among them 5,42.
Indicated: 5,11
